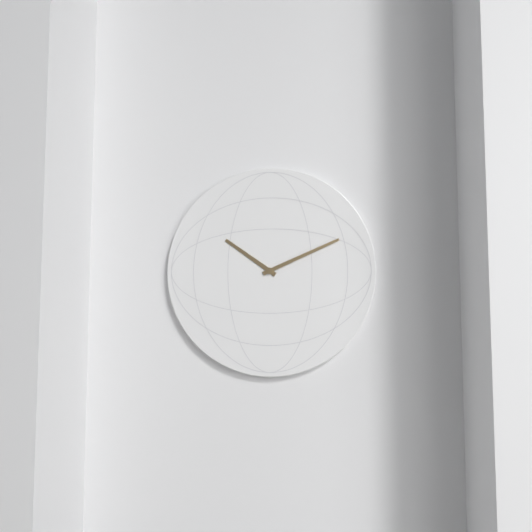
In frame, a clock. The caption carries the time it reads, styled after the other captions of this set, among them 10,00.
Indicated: 10,11
